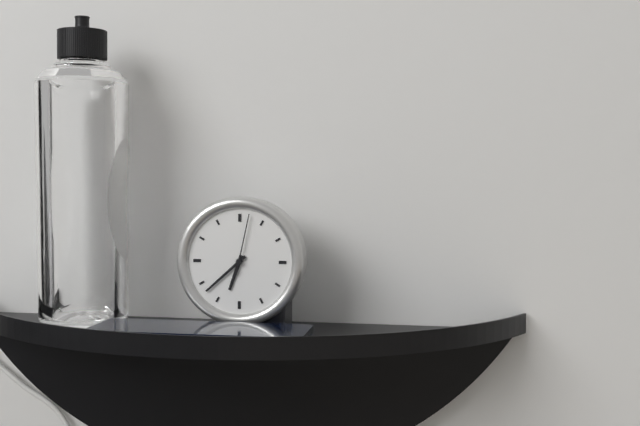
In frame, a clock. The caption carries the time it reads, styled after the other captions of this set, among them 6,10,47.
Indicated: 6,38,02
